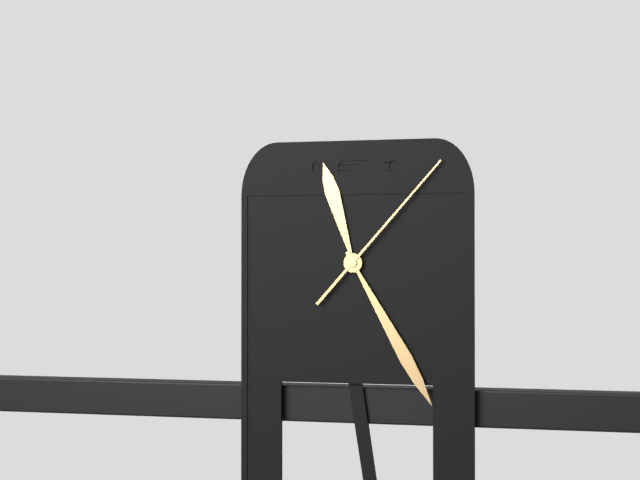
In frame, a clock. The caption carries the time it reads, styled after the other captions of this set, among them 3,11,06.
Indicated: 11,25,07
